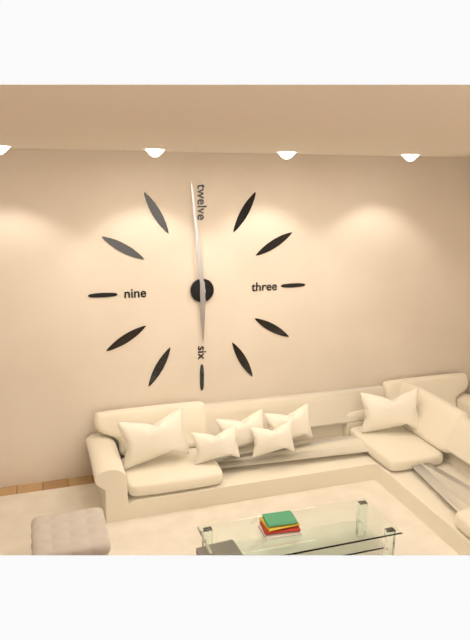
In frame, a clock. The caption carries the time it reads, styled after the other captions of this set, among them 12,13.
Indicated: 5,59
